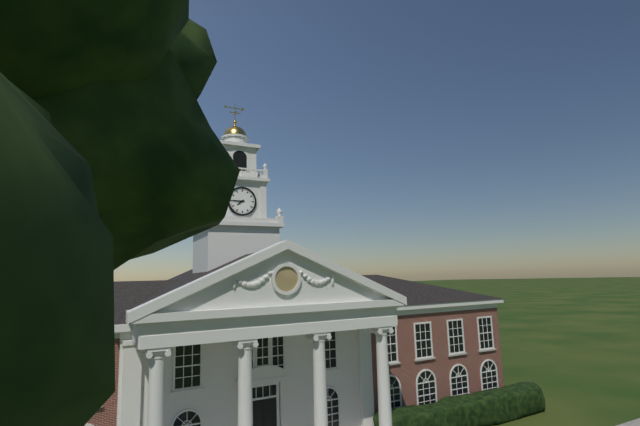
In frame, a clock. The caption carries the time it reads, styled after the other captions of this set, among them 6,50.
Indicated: 7,45
